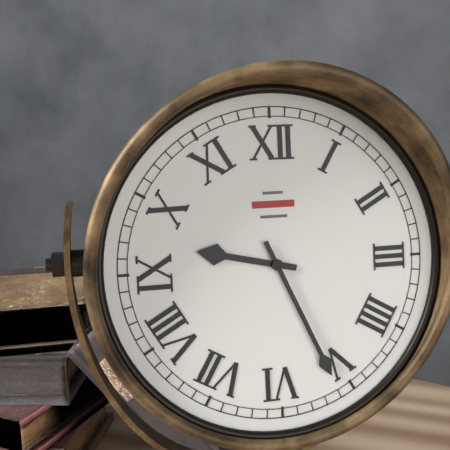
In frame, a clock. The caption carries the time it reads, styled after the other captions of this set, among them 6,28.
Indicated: 9,26
